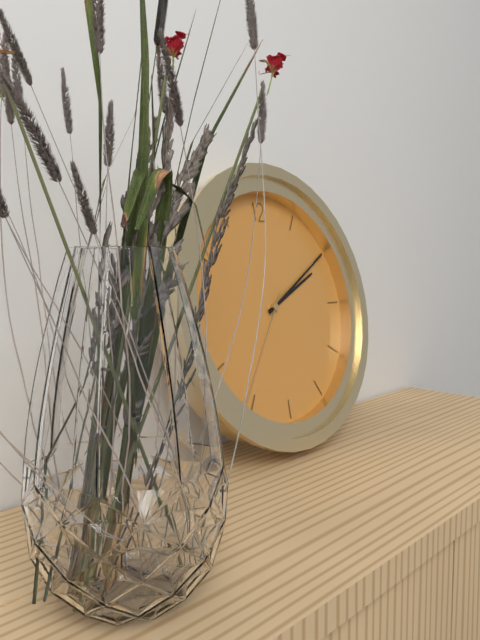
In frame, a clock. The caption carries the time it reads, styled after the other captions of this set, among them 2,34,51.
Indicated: 2,10,36
